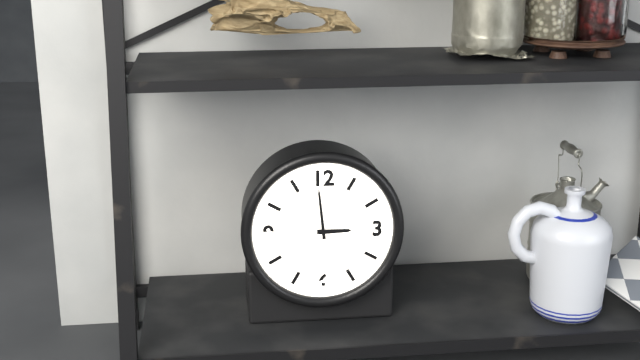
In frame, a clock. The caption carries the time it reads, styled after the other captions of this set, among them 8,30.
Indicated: 2,59
